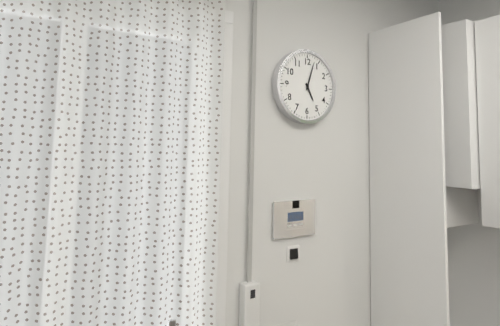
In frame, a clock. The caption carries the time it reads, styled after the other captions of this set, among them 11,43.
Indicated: 5,03
